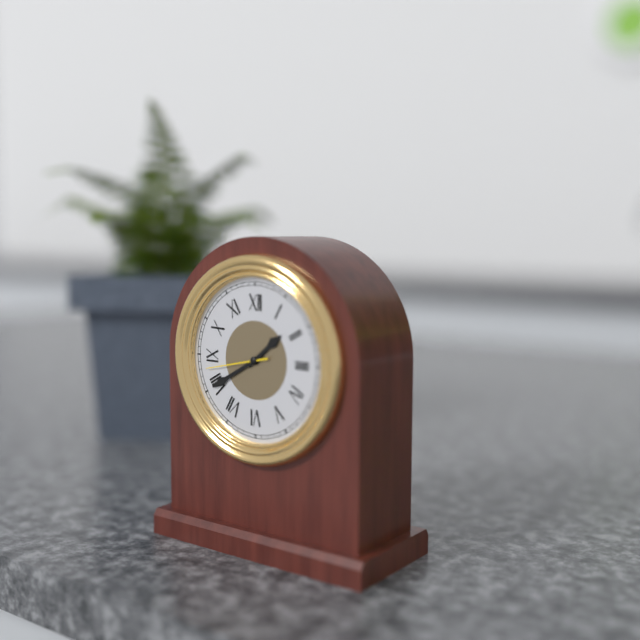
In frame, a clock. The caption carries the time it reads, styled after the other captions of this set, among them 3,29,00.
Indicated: 1,40,43
